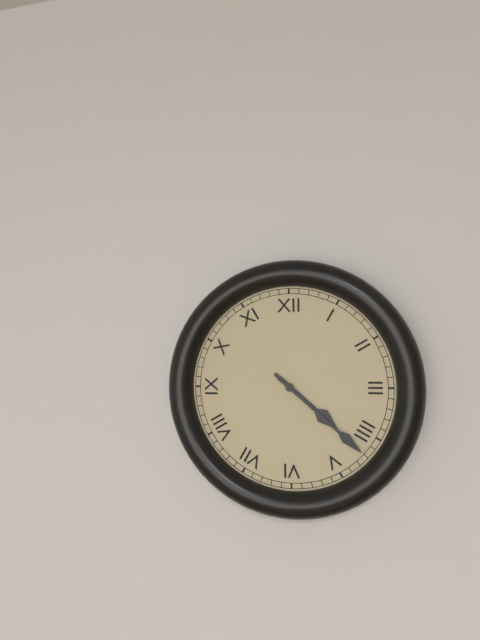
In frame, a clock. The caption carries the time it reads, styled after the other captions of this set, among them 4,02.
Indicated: 4,22
